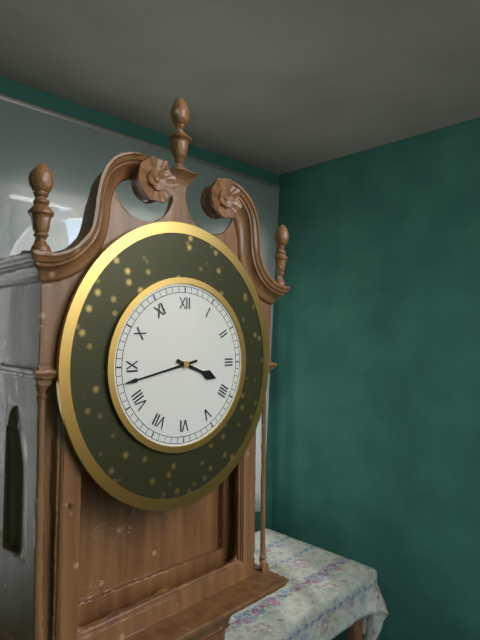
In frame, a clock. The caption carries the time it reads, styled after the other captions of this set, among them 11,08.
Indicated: 3,43
